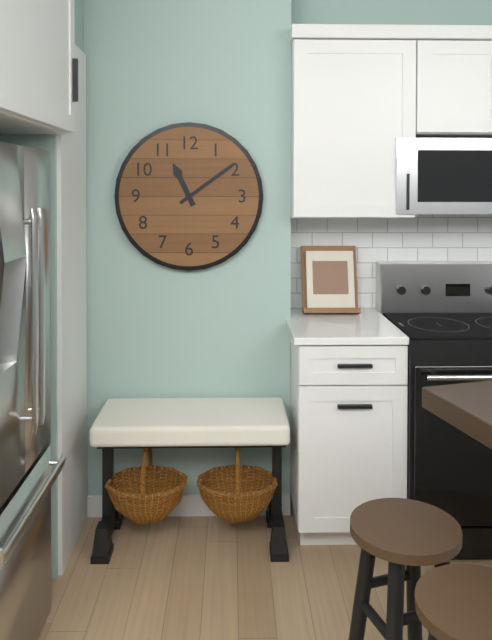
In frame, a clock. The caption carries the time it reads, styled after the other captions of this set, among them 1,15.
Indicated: 11,09
